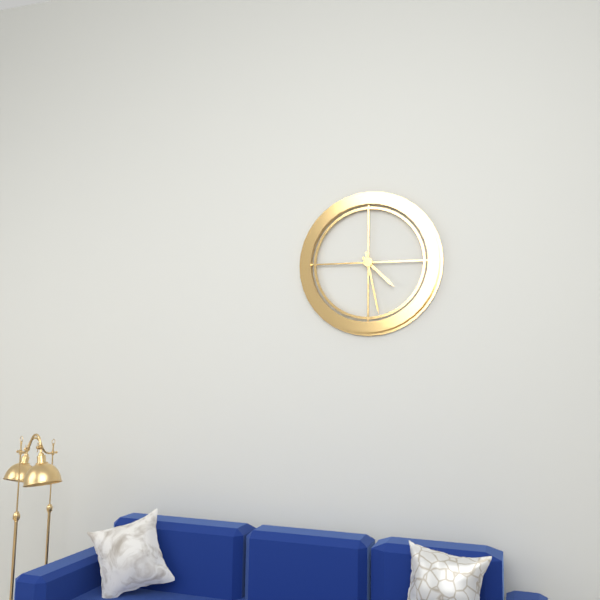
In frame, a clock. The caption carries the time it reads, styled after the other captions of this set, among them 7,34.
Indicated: 4,28
